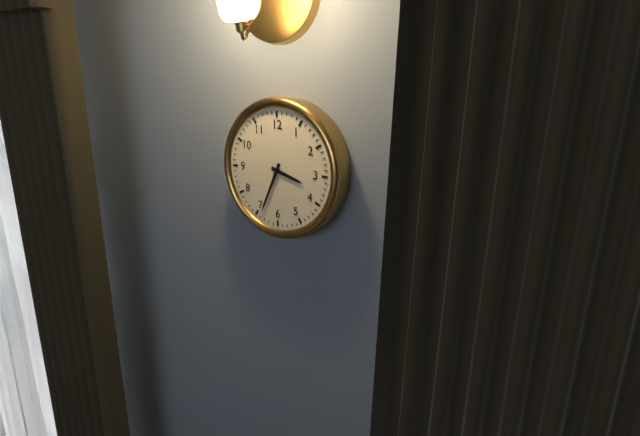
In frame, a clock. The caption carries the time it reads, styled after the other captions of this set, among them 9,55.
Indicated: 3,34
